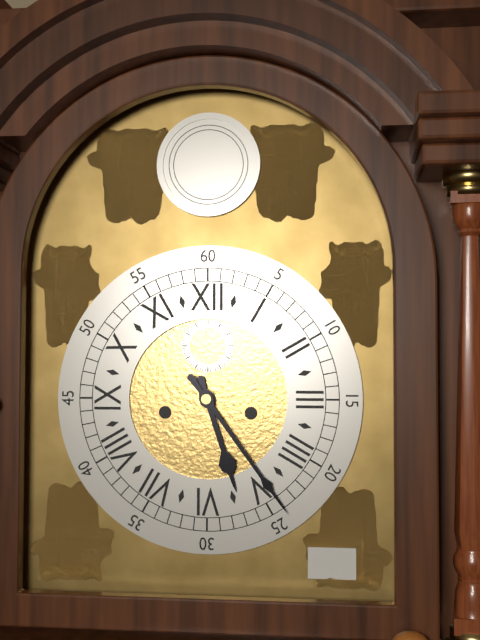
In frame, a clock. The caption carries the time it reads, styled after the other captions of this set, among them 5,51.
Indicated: 5,24
